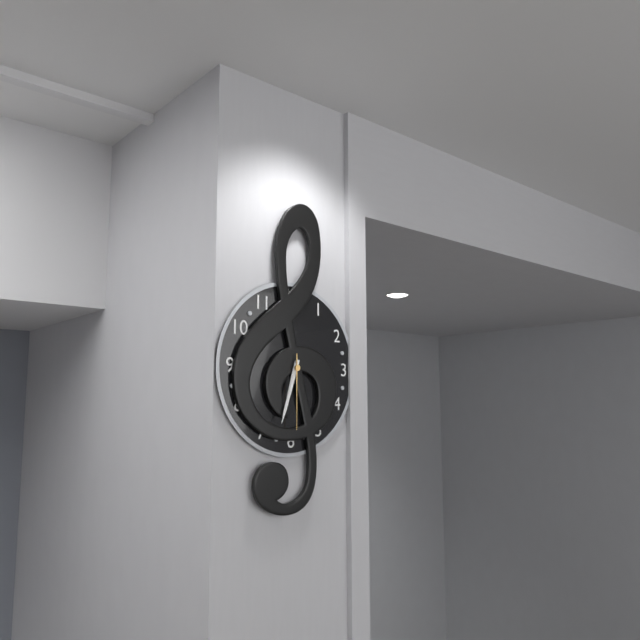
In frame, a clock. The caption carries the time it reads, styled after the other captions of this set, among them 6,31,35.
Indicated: 6,33,30
